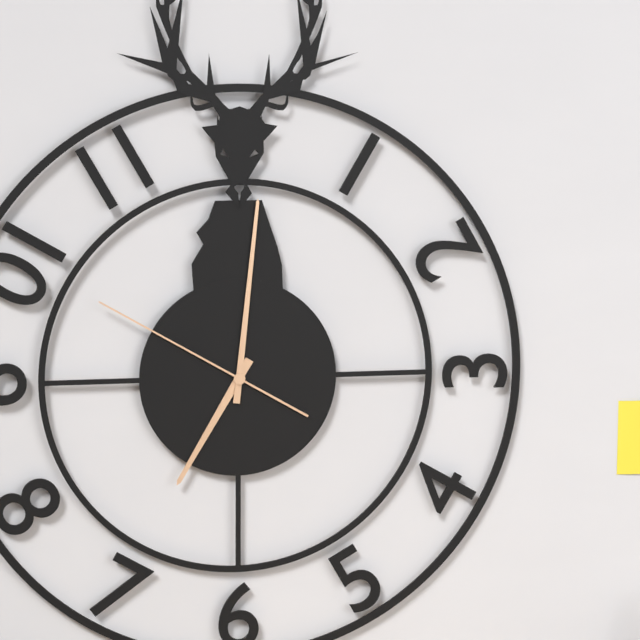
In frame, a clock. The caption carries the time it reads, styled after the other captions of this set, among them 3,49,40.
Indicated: 7,01,50
